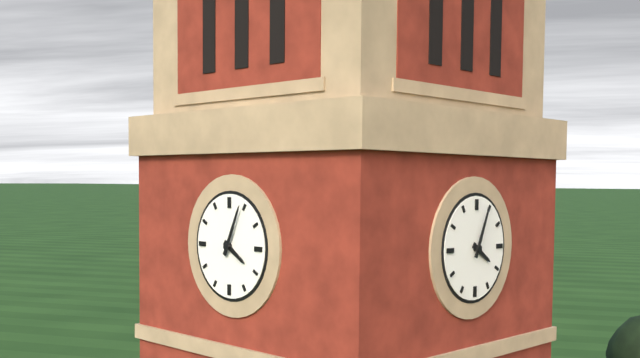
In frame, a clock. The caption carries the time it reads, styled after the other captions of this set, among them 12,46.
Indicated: 4,04
